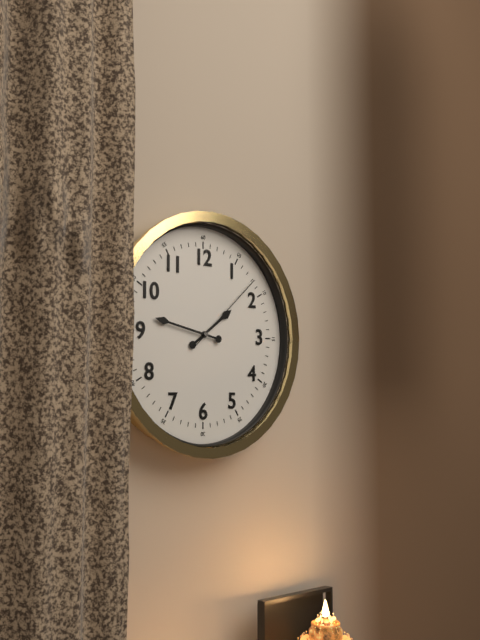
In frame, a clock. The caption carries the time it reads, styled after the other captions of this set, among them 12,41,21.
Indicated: 1,47,08
